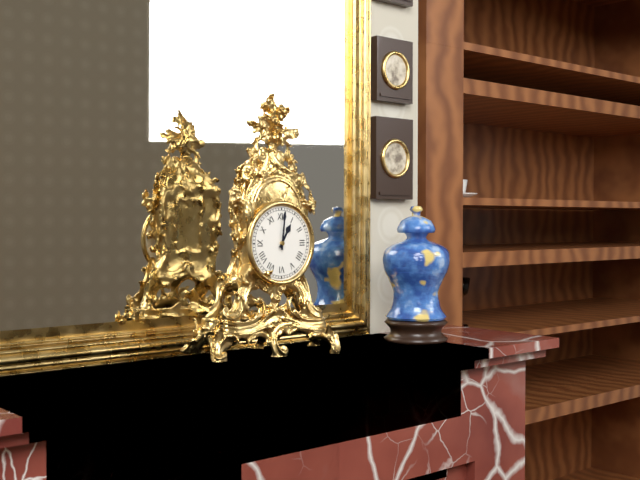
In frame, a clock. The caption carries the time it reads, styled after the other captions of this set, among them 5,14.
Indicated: 1,01
